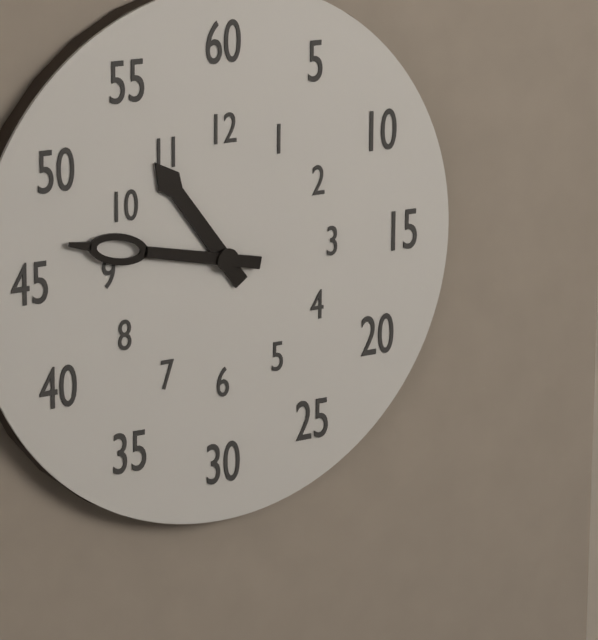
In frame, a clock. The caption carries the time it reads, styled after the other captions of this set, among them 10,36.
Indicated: 10,47
